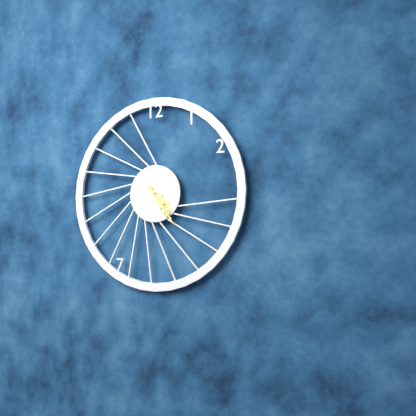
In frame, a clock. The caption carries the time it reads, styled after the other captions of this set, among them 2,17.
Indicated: 4,24
